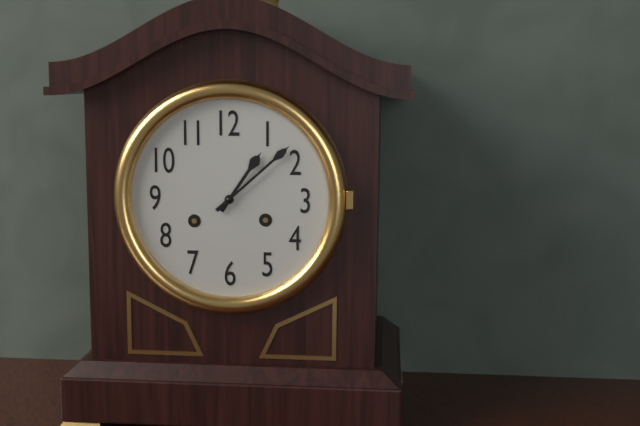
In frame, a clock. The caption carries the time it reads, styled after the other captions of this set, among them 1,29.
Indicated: 1,08
